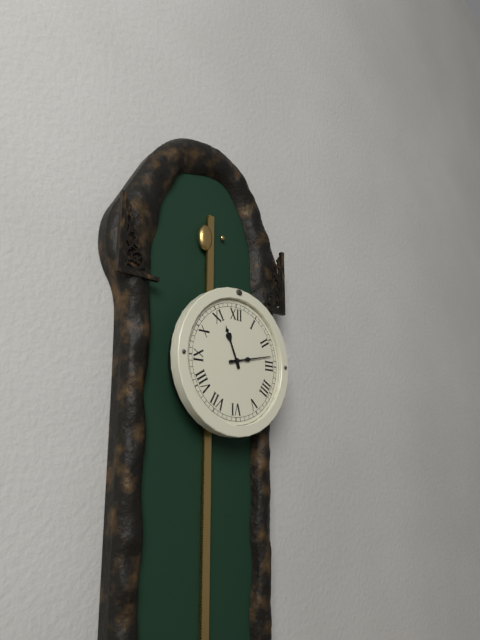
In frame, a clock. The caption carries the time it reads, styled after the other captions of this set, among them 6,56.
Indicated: 11,13
